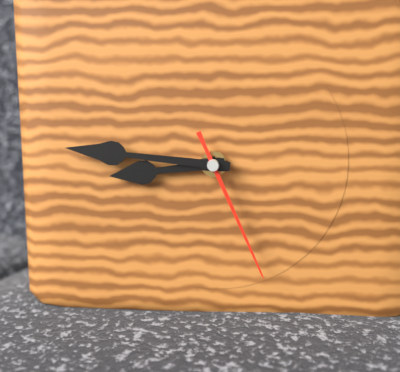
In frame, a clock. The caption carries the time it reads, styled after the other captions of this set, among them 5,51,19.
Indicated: 8,46,26
